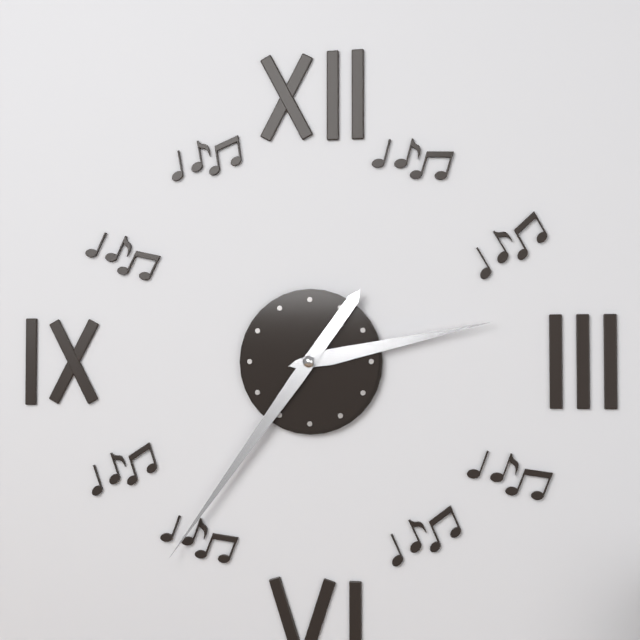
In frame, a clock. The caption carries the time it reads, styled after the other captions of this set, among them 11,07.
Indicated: 2,36
